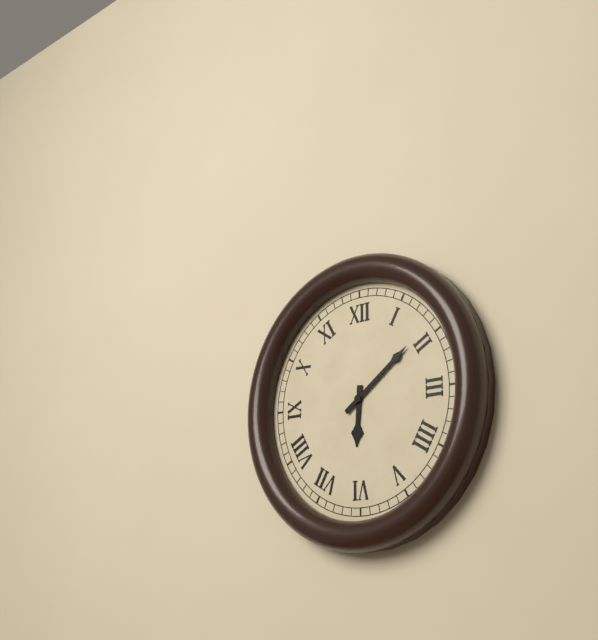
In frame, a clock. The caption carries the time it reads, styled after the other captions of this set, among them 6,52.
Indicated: 6,09
